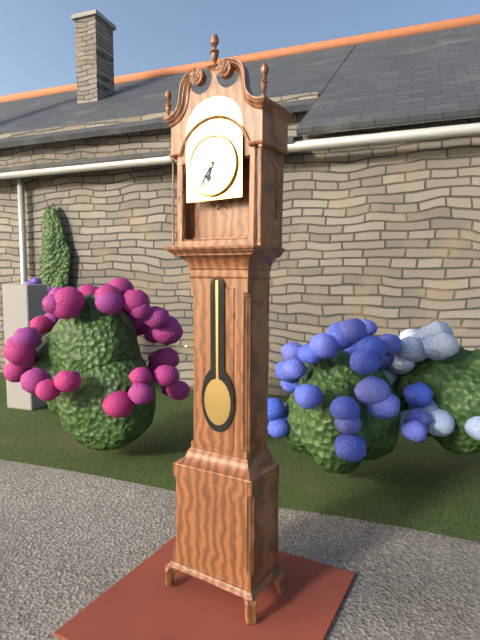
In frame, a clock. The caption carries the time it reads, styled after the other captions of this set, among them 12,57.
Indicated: 6,36
